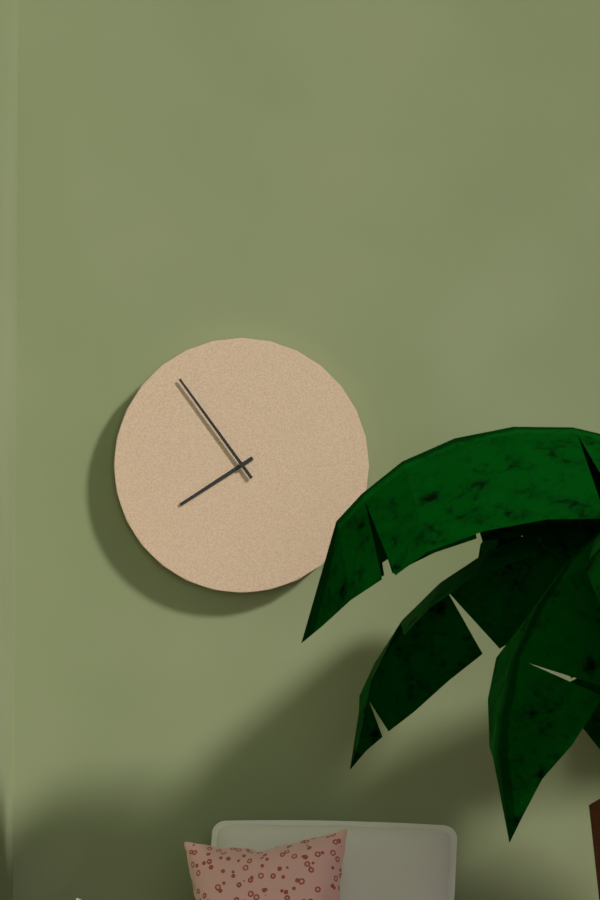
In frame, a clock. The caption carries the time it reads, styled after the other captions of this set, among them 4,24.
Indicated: 7,54
